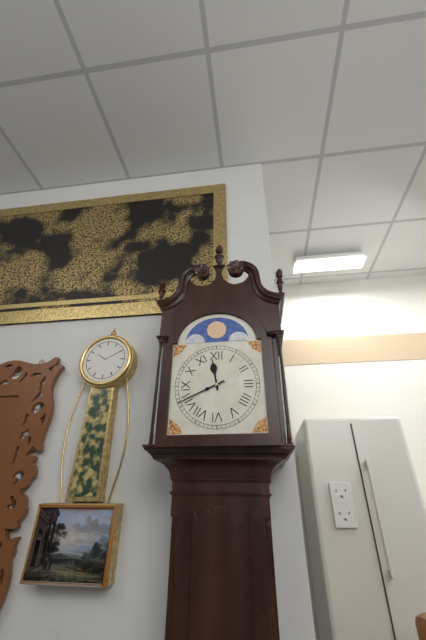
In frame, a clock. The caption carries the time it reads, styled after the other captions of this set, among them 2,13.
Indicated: 11,41
